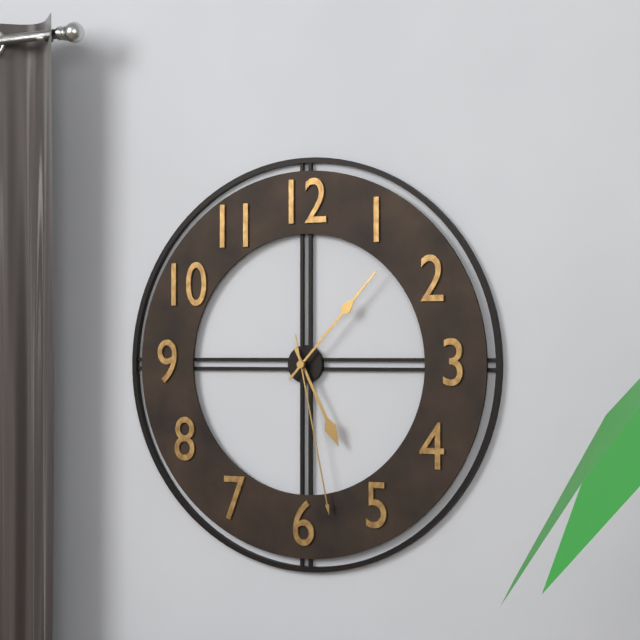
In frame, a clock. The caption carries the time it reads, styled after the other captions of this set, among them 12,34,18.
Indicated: 5,07,28
